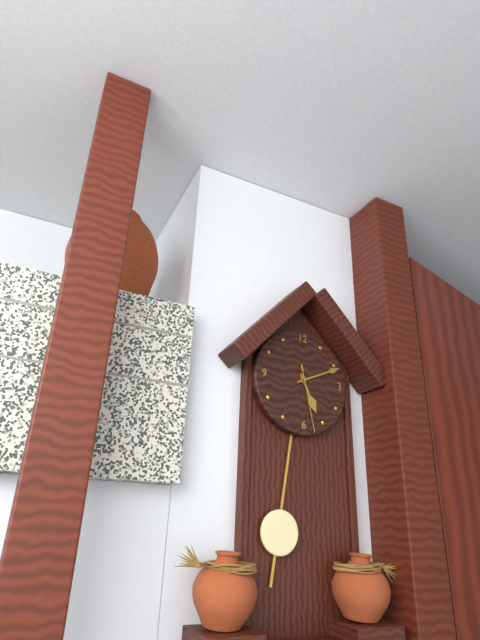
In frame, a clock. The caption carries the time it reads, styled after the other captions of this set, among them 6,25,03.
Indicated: 5,11,28
